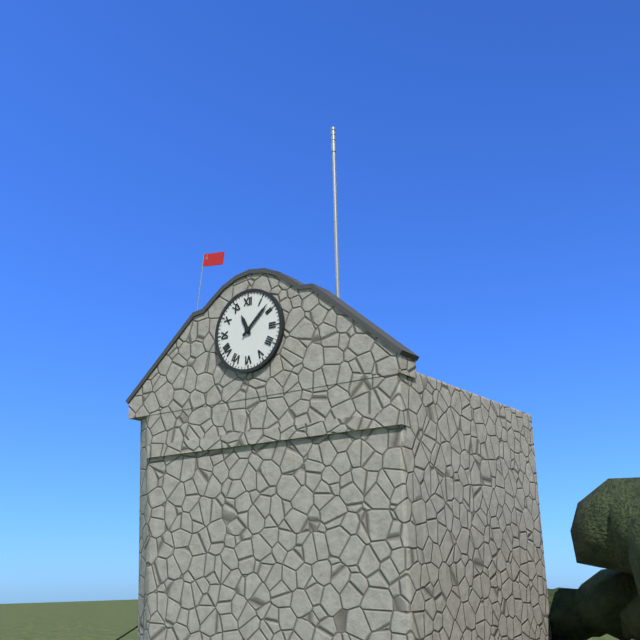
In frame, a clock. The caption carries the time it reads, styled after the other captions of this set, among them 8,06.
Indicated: 11,08
